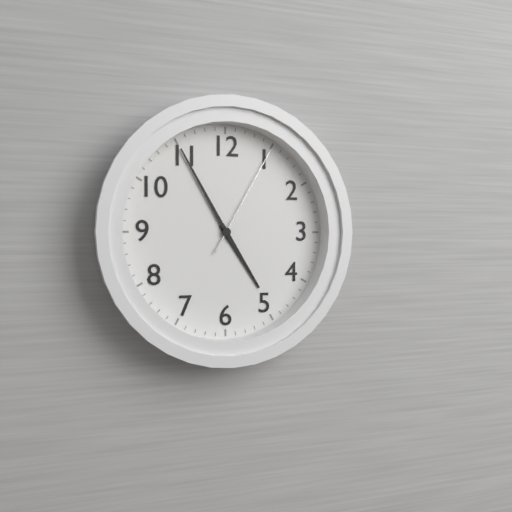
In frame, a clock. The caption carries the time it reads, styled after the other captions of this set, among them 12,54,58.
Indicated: 4,55,05
